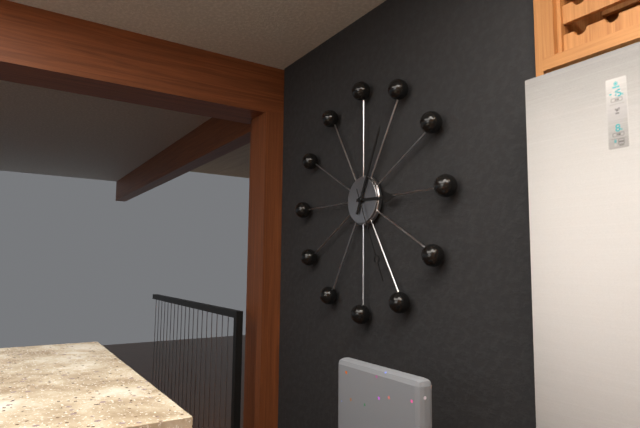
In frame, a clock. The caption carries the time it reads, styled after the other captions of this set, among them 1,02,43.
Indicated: 3,04,26
